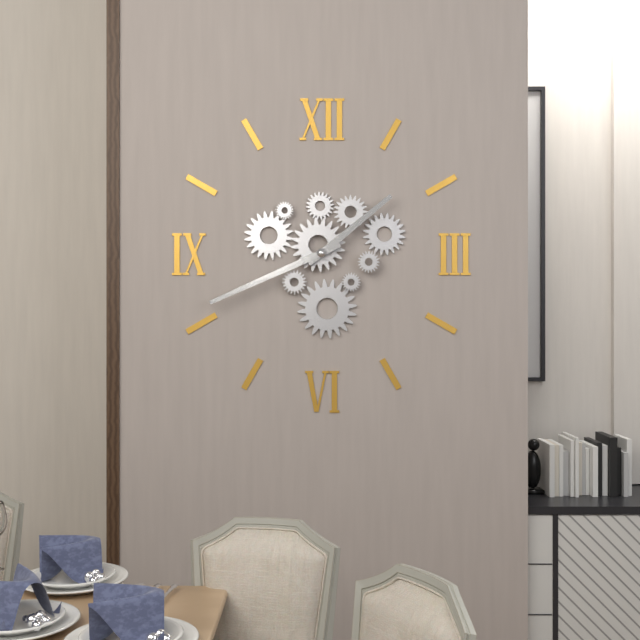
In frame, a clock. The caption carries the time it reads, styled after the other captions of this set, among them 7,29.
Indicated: 1,41
